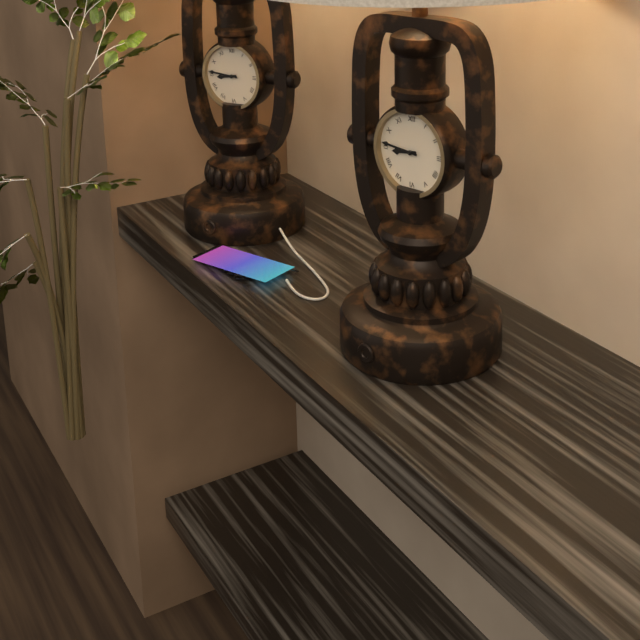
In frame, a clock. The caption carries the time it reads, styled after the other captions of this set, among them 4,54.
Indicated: 8,46
